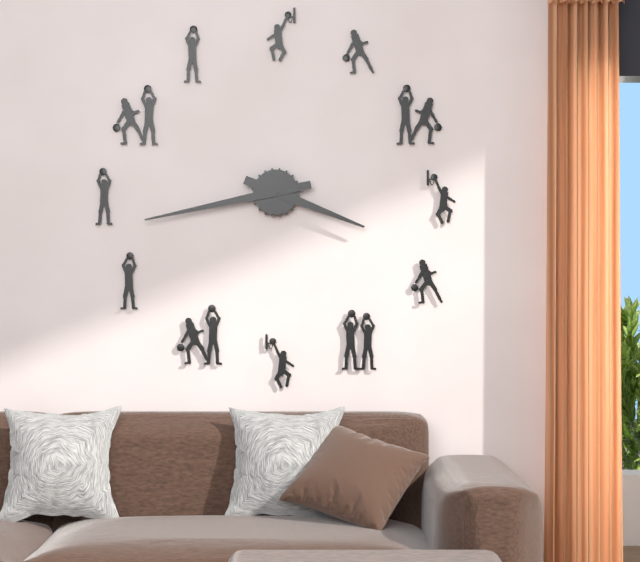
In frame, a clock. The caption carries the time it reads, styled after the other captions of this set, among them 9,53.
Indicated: 3,43
